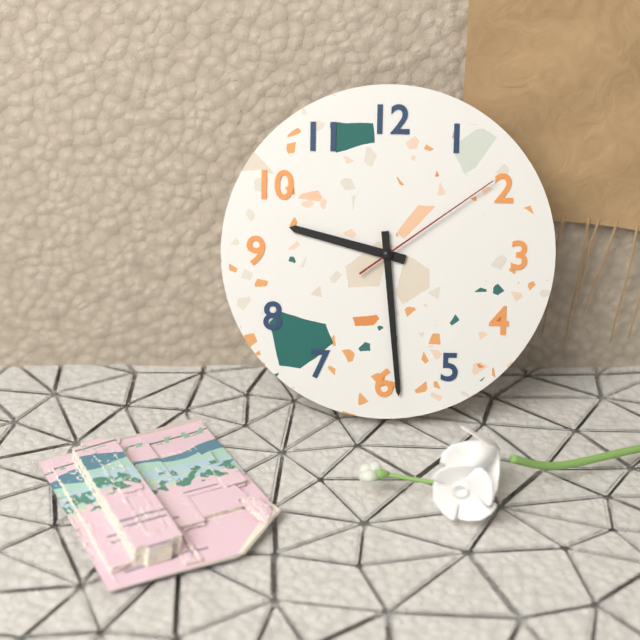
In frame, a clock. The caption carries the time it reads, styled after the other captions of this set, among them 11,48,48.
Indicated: 9,29,09
